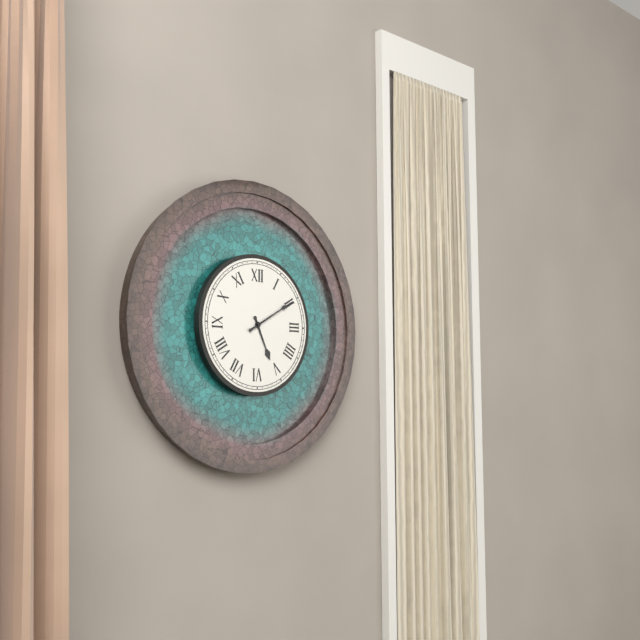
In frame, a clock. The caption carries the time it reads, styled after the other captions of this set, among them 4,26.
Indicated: 5,10
